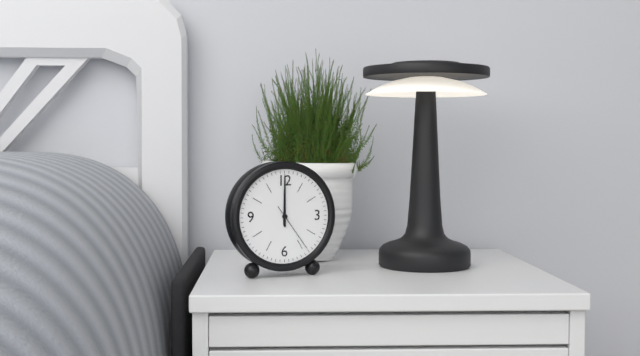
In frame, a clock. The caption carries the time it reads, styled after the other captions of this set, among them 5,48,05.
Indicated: 12,00,24
